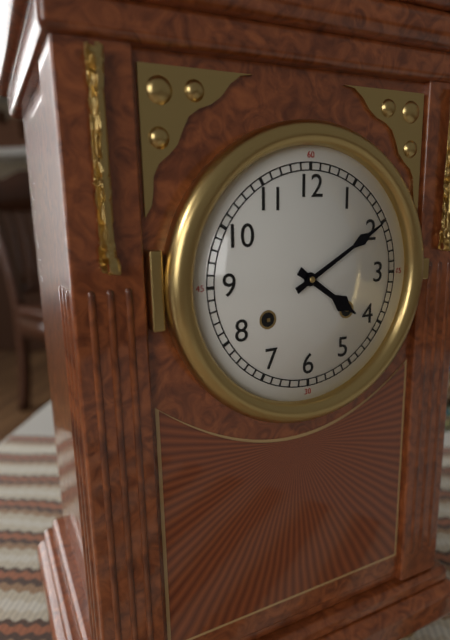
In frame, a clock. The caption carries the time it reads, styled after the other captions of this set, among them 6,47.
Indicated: 4,10
